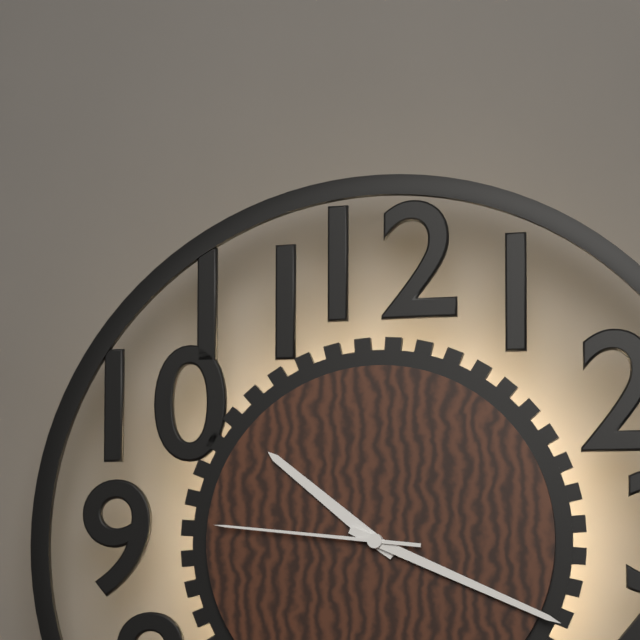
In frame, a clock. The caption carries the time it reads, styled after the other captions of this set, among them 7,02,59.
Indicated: 10,19,46
